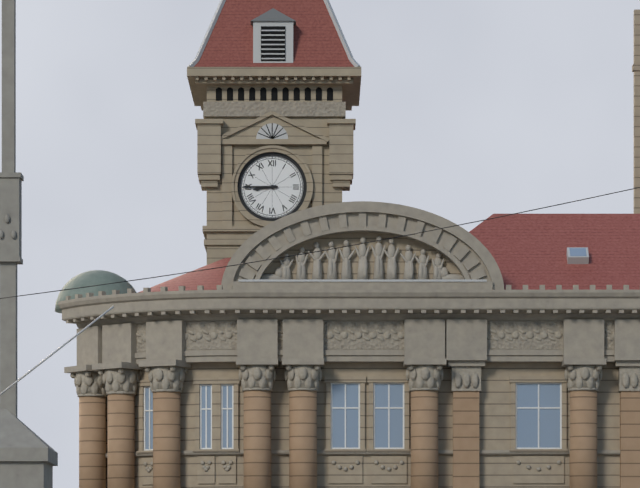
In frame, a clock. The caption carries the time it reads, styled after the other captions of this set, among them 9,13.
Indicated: 8,45
